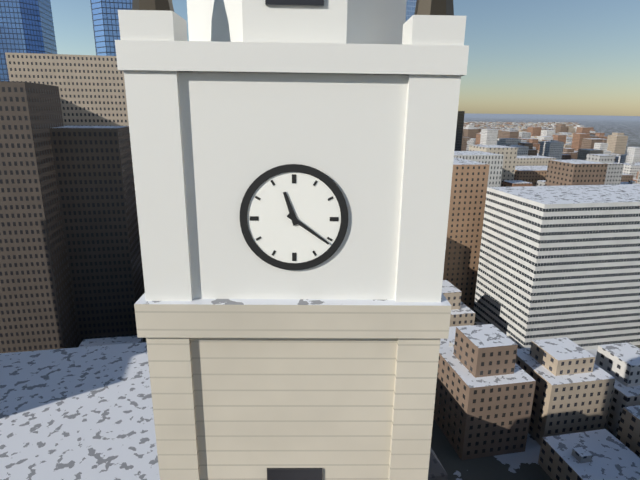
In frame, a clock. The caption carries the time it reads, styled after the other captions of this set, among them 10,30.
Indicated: 11,21
